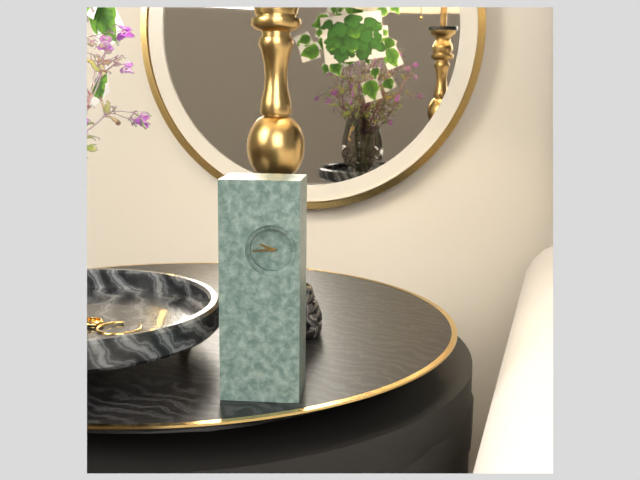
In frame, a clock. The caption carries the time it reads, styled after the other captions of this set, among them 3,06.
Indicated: 9,44
